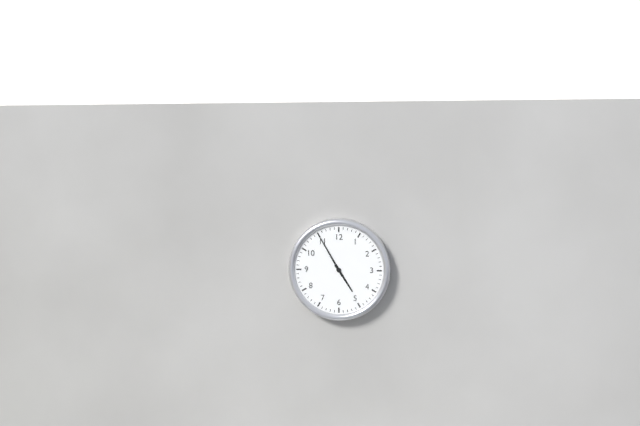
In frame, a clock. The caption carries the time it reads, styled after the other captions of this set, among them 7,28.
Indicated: 4,55
